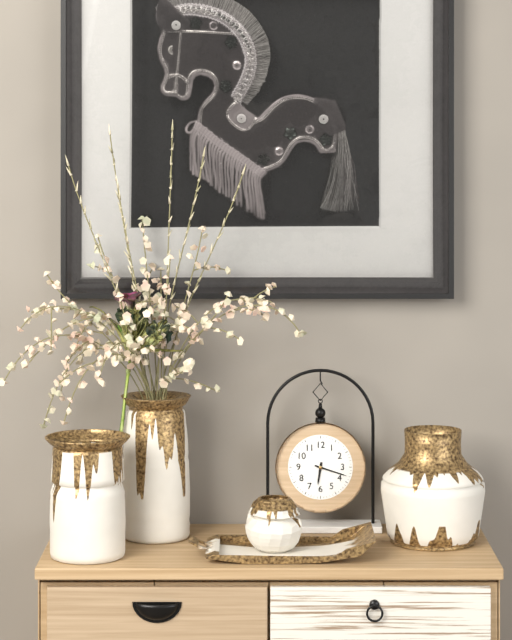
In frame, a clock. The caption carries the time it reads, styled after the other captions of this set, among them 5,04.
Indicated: 6,18
